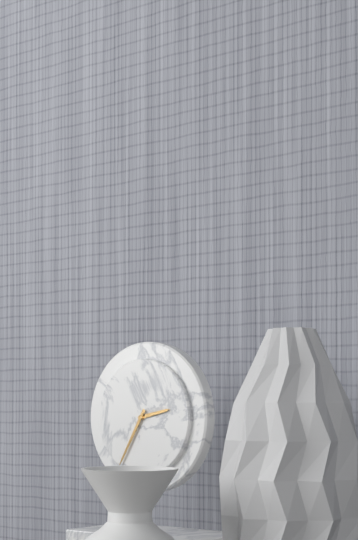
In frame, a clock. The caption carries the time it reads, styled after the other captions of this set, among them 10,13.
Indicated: 2,35
